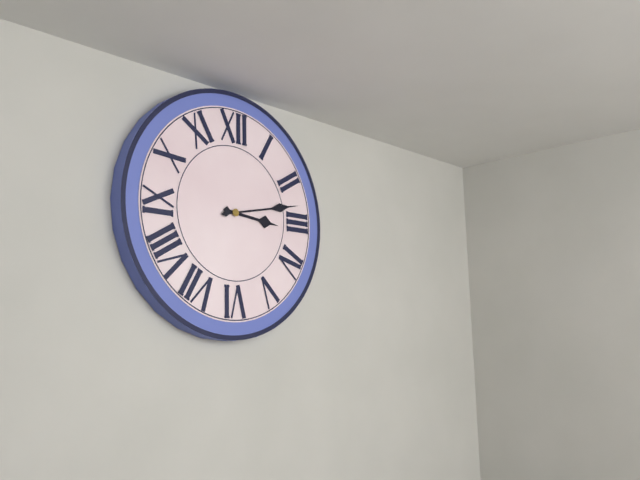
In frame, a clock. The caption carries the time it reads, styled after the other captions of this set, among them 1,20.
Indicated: 3,13
